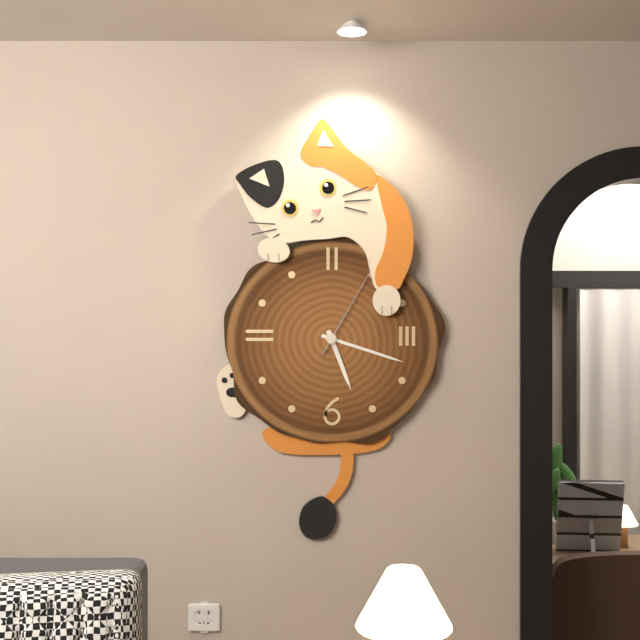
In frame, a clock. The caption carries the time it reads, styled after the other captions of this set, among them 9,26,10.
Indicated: 5,18,05
